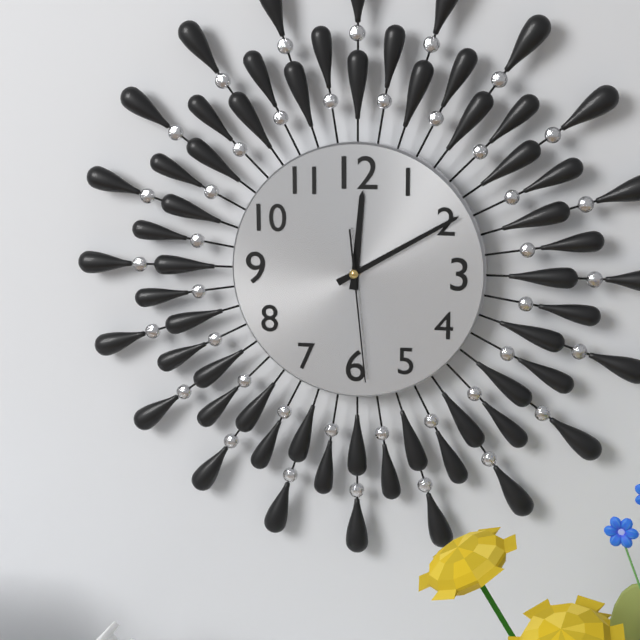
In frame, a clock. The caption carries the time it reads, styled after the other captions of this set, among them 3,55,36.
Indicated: 12,10,29
